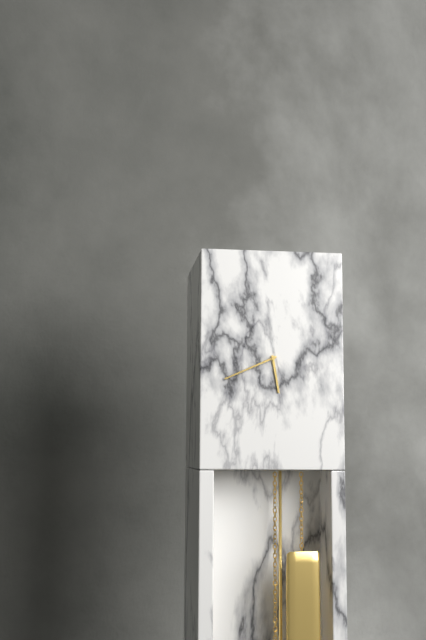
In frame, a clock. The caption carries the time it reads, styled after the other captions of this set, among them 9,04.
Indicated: 5,41
